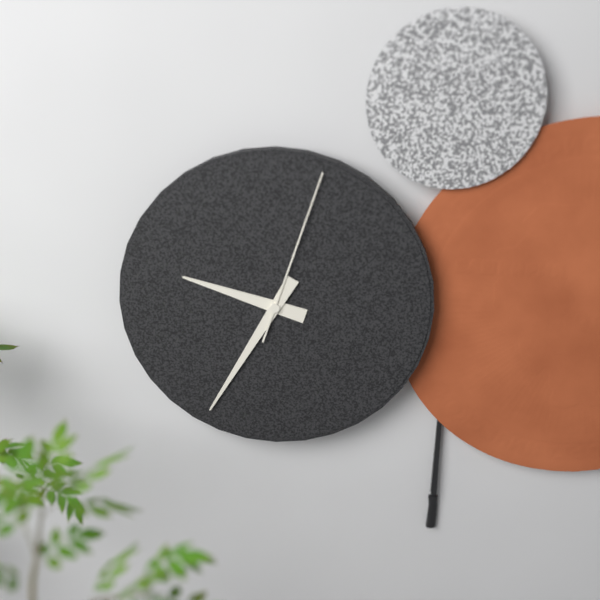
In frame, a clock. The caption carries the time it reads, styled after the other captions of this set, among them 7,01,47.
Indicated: 9,35,03
